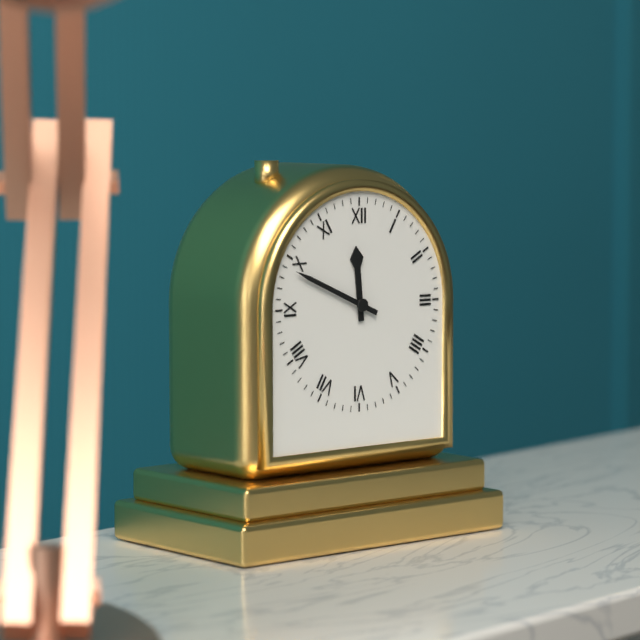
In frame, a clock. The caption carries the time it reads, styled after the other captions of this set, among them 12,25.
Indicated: 11,49
